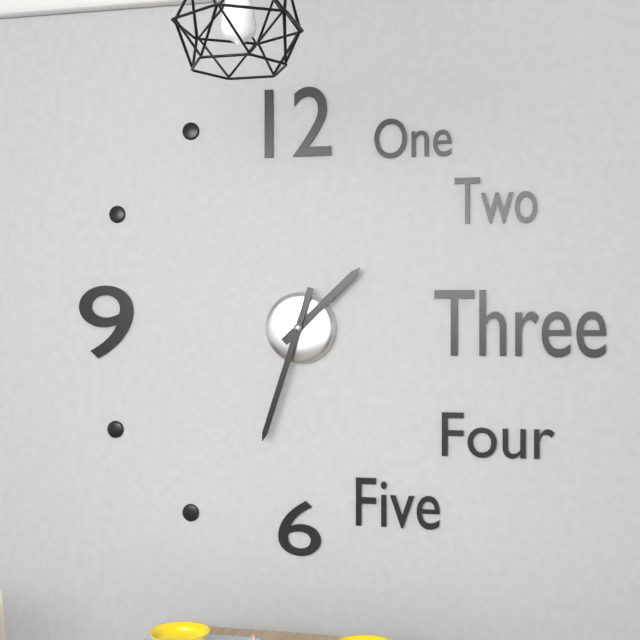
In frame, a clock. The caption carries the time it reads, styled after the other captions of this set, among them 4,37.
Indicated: 1,33
